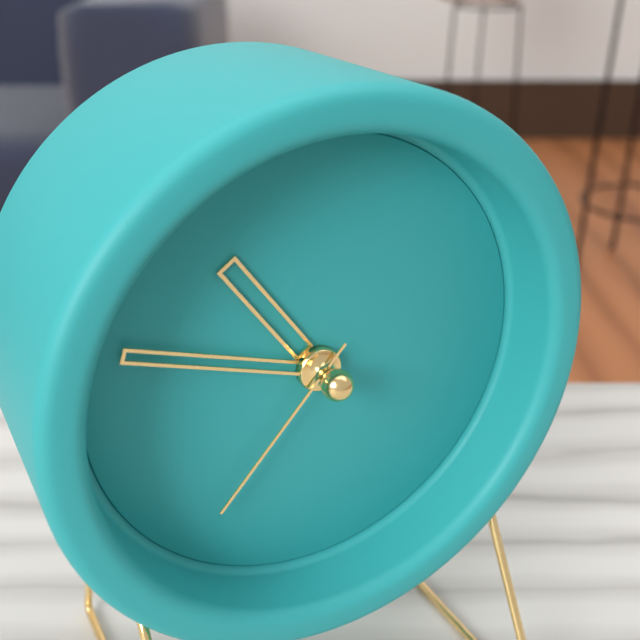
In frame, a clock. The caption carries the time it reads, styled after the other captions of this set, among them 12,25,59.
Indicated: 10,48,37
